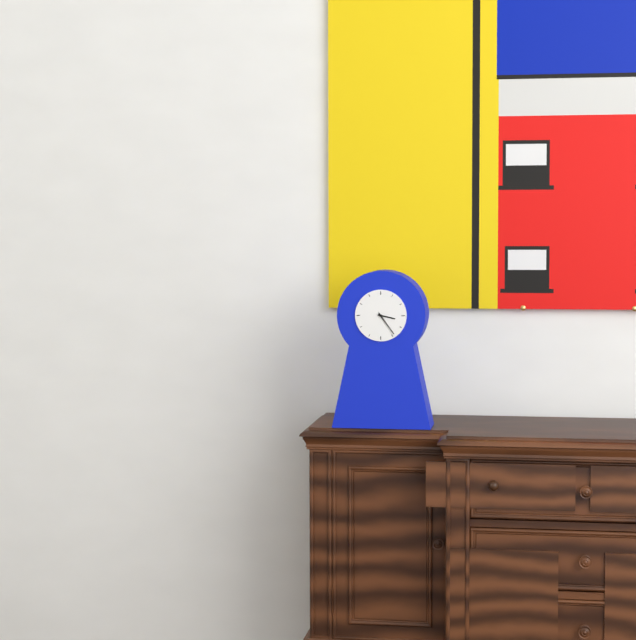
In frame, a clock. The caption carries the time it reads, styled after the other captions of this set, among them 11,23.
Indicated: 3,24
